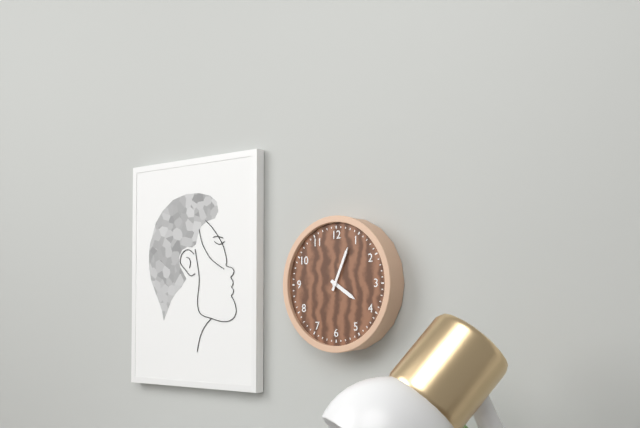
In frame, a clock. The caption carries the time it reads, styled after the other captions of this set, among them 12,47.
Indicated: 4,04
